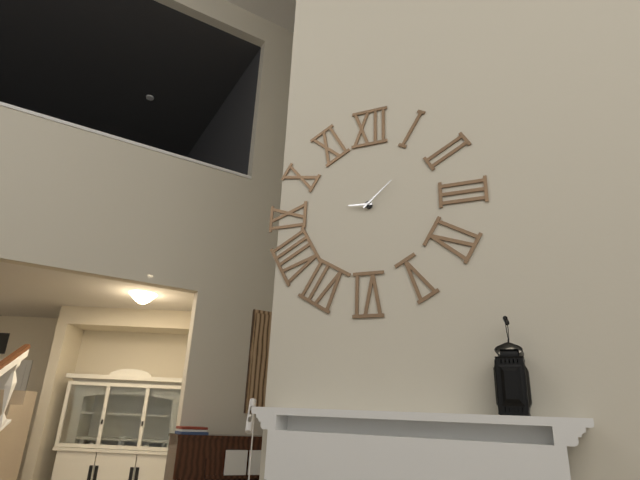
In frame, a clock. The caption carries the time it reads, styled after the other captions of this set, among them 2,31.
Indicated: 9,08
